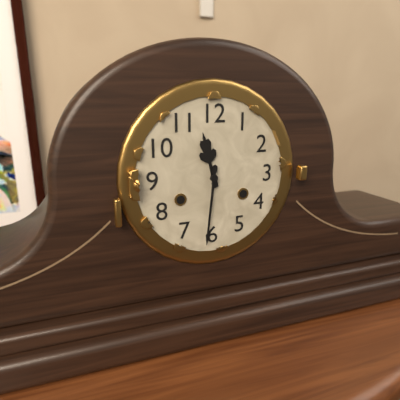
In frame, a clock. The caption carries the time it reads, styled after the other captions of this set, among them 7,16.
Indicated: 11,31
